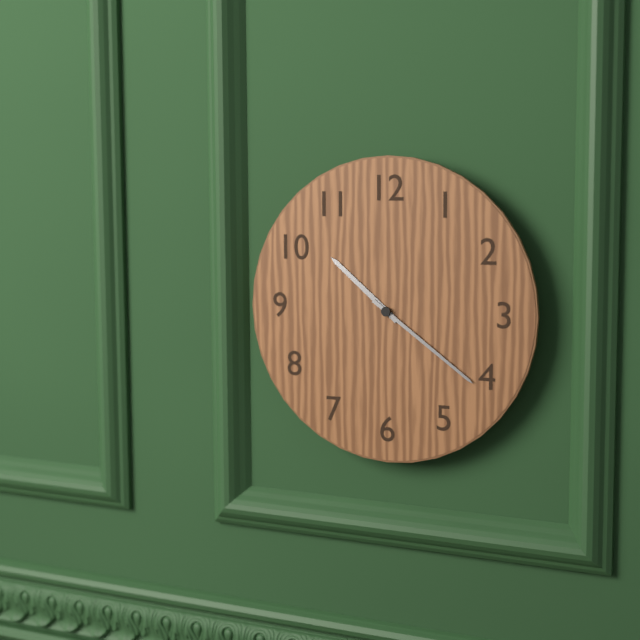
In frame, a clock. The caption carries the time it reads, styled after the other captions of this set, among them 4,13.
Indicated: 10,21
